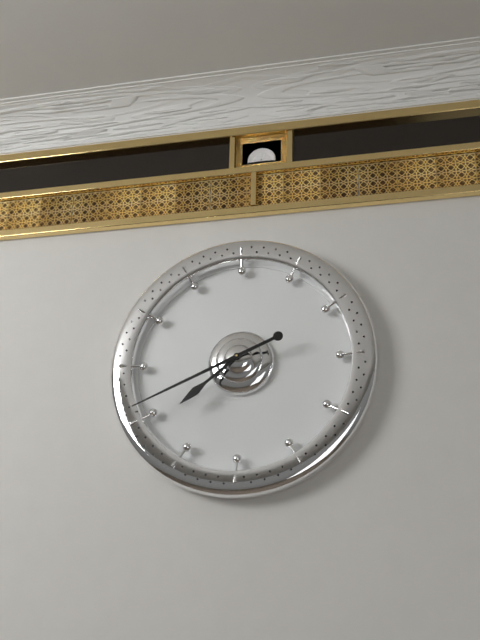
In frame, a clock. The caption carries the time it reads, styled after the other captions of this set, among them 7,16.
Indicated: 7,41
